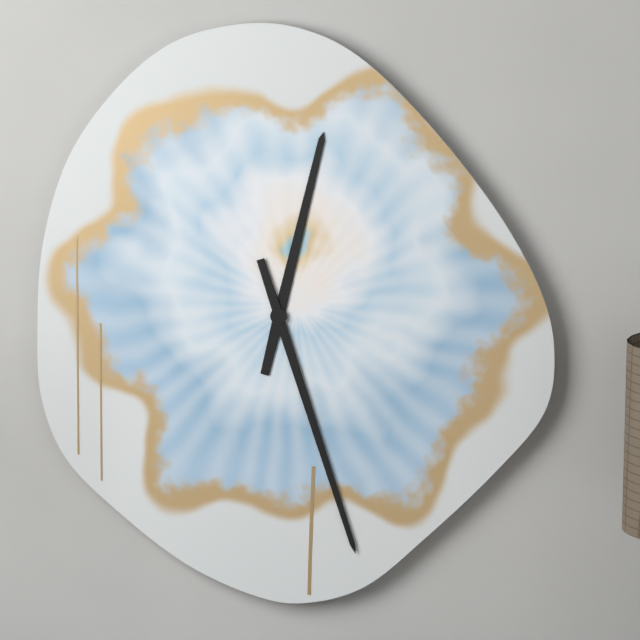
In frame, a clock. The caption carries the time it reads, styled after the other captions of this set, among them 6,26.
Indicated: 12,27
